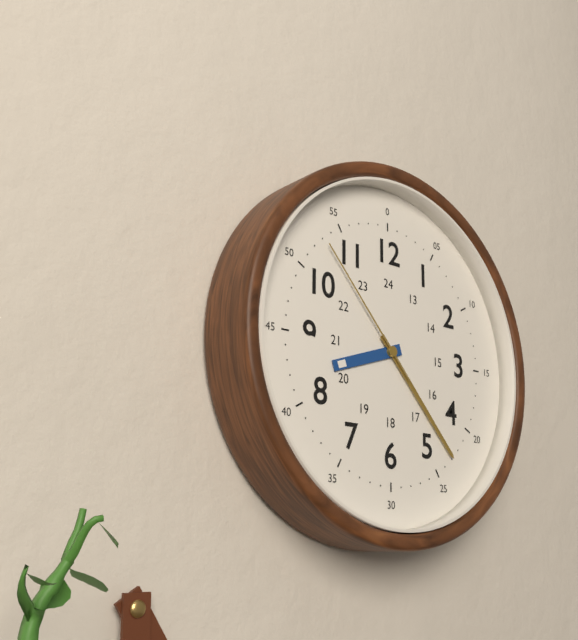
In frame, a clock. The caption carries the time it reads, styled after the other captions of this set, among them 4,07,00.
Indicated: 8,23,53
